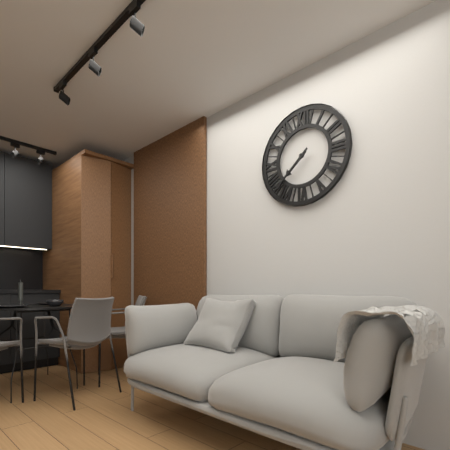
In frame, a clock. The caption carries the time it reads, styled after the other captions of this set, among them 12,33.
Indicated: 7,38
